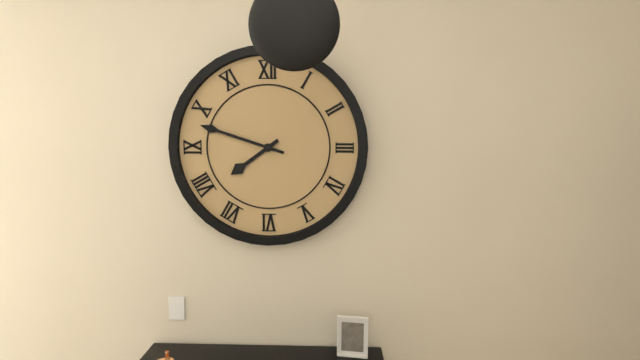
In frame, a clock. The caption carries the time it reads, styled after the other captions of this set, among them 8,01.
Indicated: 7,48
